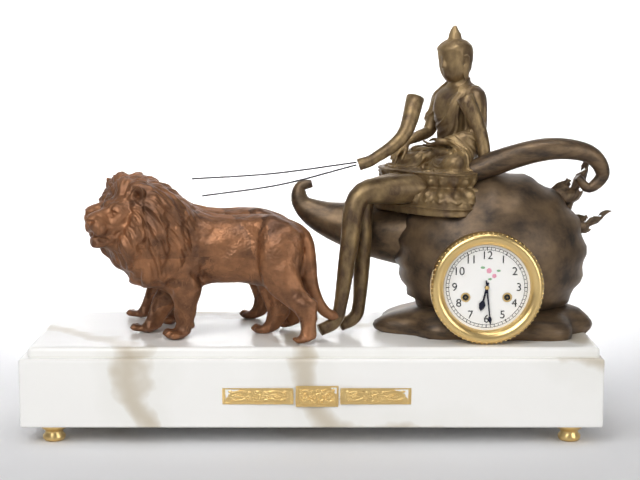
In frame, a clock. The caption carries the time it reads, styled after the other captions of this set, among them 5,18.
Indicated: 6,29
